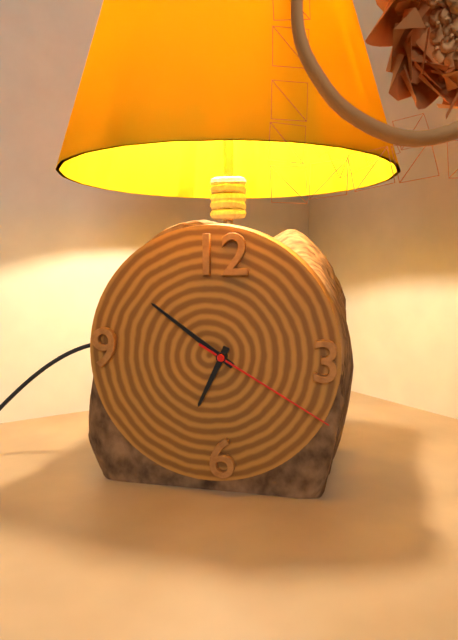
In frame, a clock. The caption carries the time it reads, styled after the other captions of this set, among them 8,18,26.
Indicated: 6,51,20
